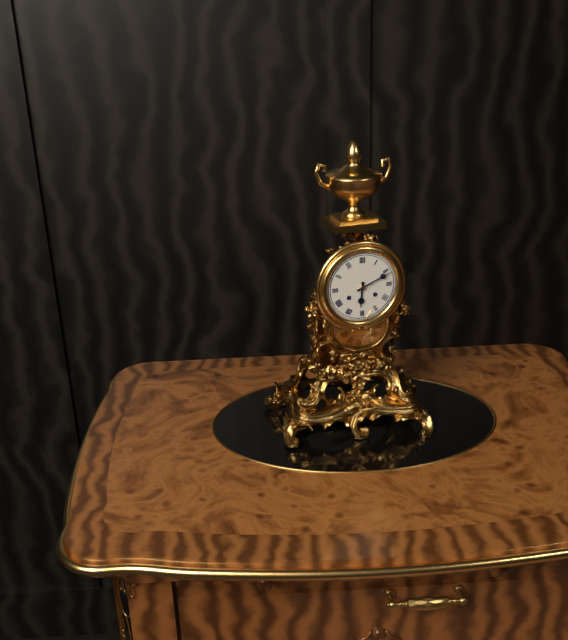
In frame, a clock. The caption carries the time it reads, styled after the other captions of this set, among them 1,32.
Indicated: 6,11
